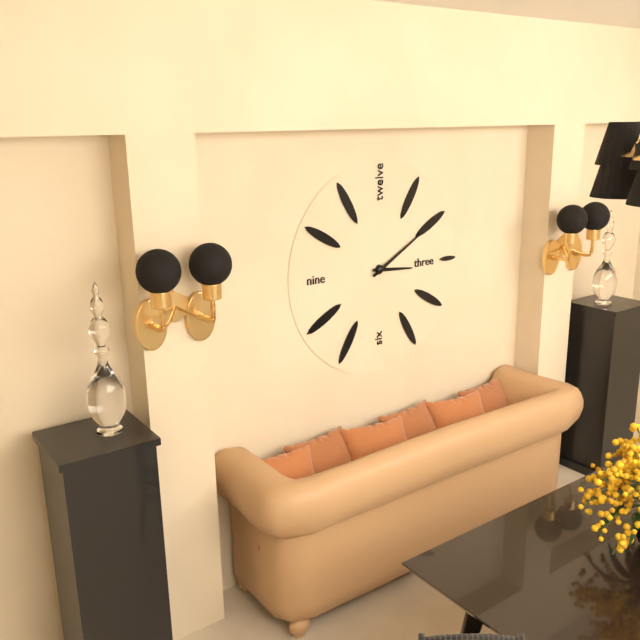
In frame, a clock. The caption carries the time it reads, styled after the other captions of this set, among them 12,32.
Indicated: 3,10
